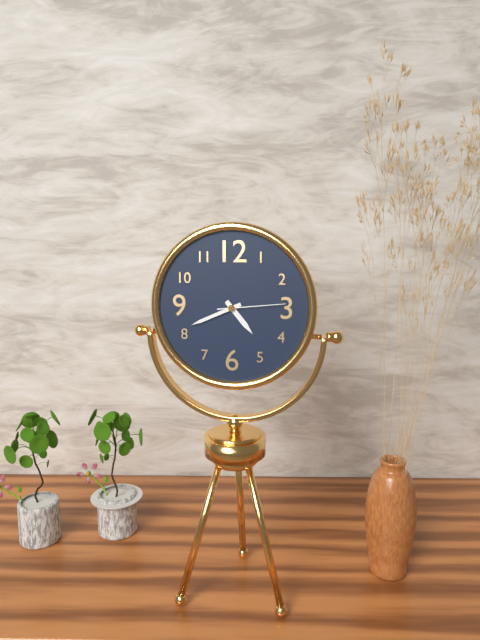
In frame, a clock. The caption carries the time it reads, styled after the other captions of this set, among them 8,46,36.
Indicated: 4,41,14
